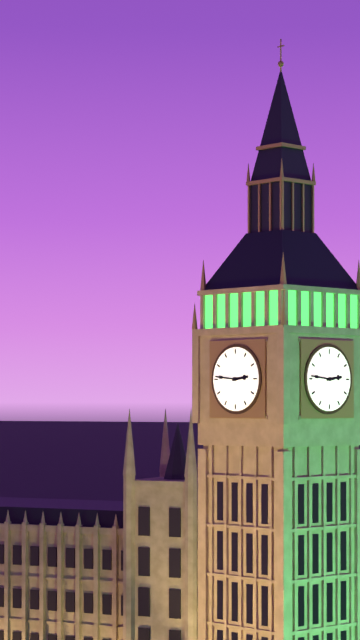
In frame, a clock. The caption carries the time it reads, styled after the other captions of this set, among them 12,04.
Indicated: 2,46
